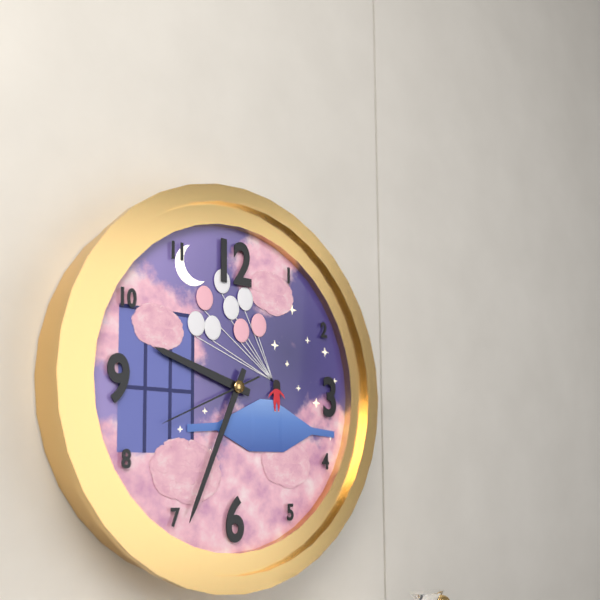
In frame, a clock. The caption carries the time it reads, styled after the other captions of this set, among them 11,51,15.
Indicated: 9,34,41
